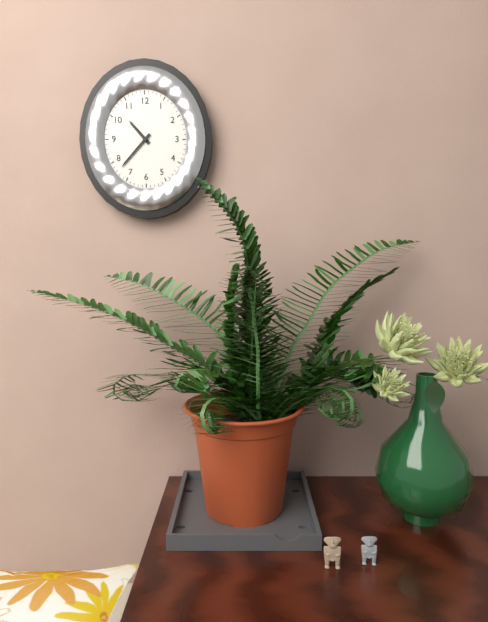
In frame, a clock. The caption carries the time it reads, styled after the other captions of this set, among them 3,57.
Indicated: 10,37
